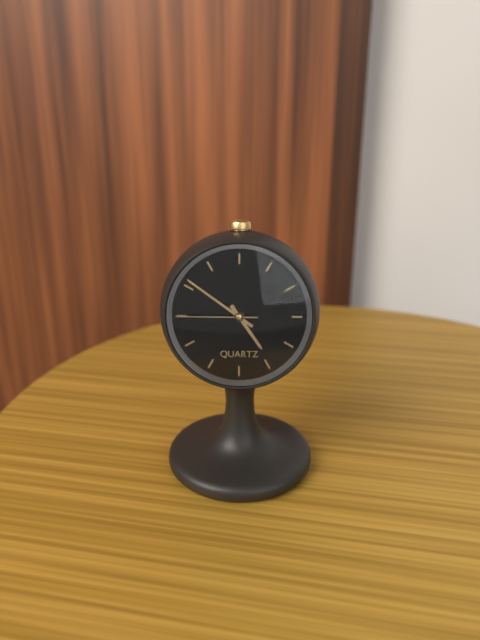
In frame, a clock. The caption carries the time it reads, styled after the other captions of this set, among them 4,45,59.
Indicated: 4,51,45
